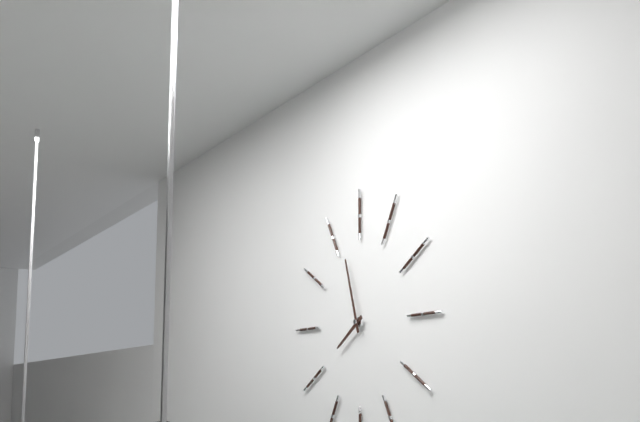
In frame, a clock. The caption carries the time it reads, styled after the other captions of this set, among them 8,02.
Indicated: 7,57
